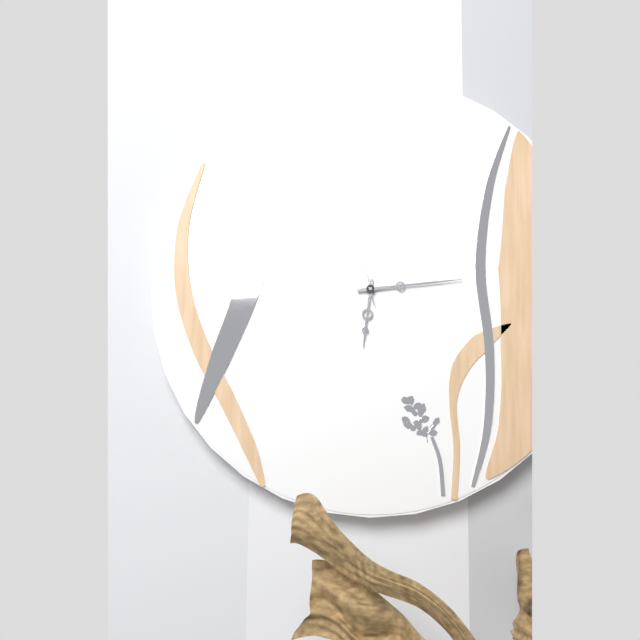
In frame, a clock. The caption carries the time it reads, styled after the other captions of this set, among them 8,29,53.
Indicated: 6,14,58
